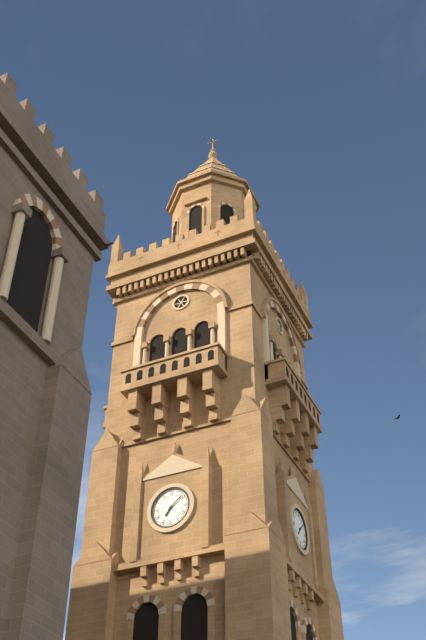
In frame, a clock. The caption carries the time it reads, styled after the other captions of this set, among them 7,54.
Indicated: 7,08
